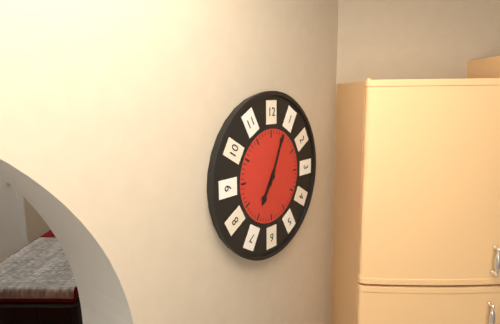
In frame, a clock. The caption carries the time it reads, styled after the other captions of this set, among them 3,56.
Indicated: 7,04
